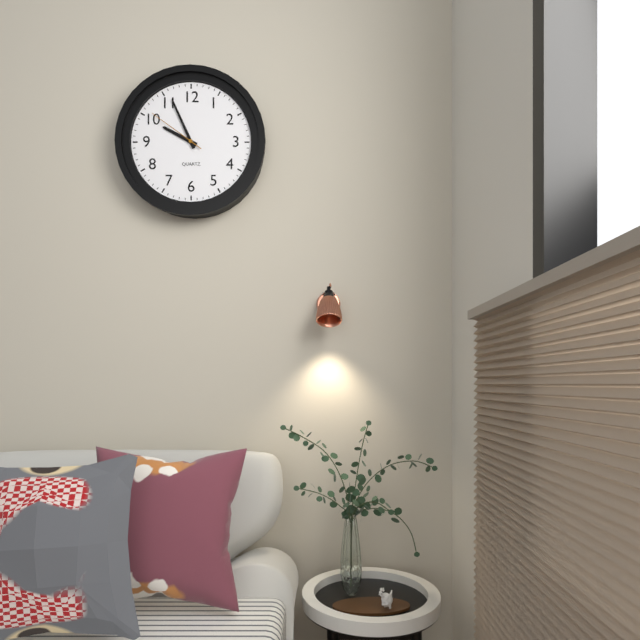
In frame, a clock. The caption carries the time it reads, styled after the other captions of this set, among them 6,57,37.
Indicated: 9,56,51
